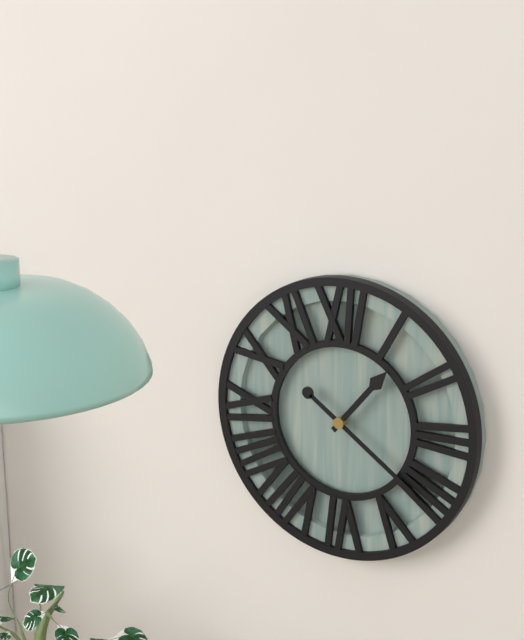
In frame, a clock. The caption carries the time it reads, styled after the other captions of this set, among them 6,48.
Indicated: 1,21
